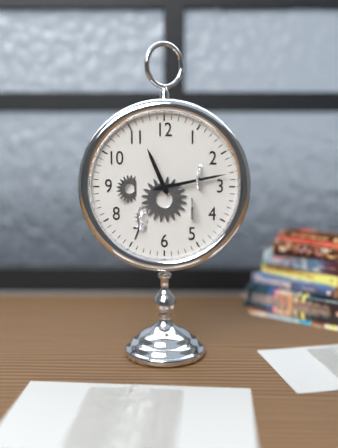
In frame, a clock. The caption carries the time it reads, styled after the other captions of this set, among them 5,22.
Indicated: 11,13
